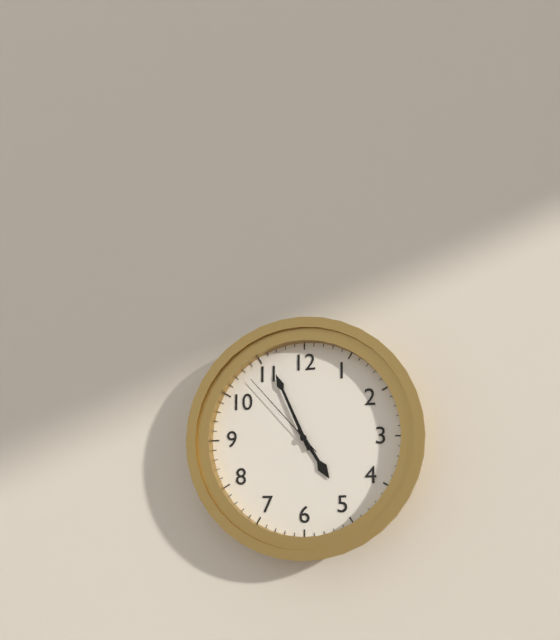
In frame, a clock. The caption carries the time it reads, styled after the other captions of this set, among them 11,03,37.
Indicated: 4,56,53
